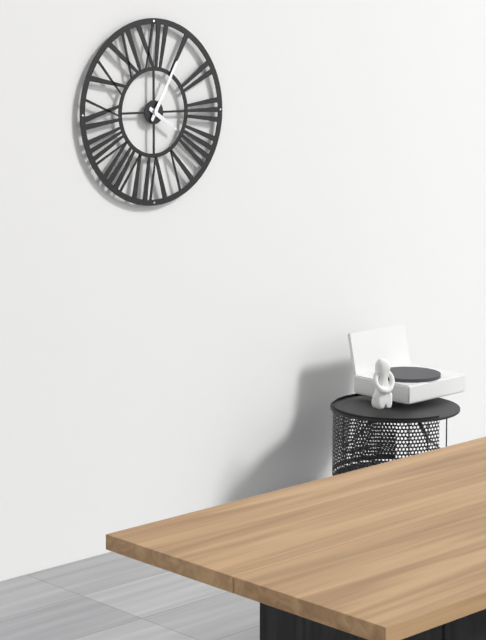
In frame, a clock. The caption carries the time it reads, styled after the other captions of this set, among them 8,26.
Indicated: 4,05
